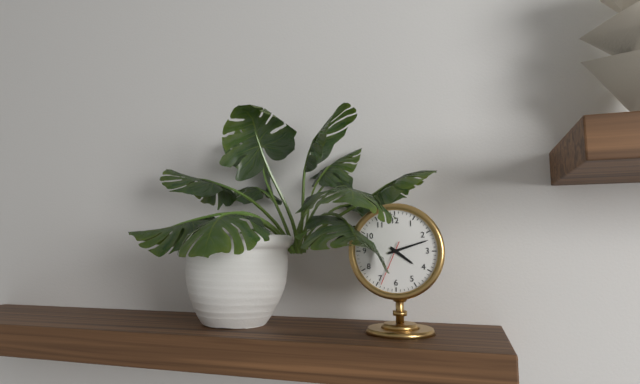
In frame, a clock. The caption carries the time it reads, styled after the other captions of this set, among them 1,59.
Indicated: 4,12
